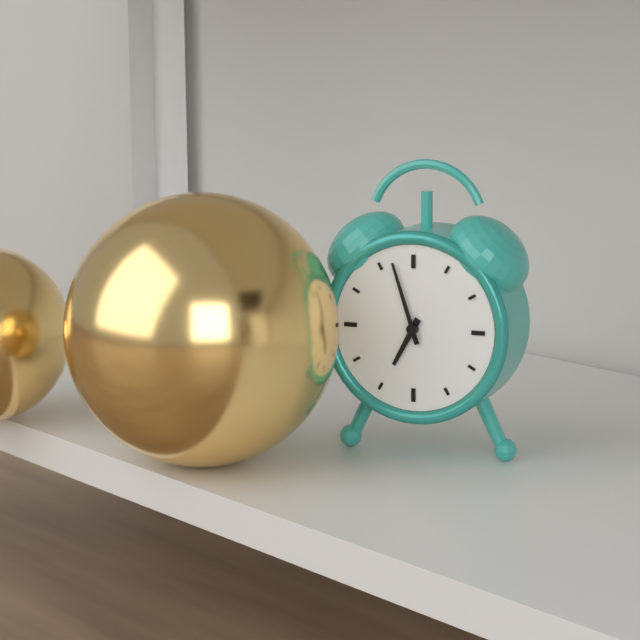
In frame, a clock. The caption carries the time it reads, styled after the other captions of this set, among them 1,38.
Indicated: 6,57
